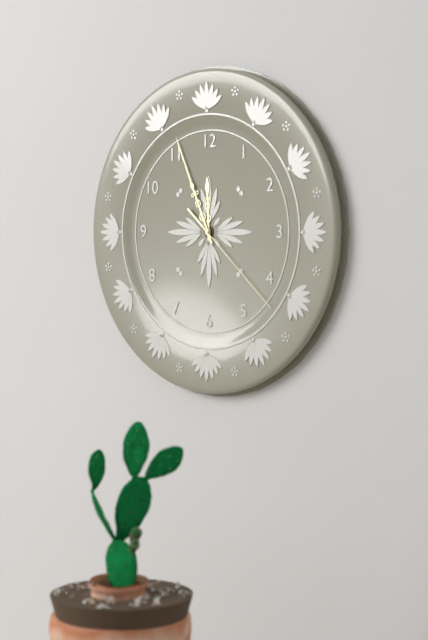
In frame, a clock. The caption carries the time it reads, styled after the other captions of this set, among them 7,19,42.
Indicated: 11,56,22
